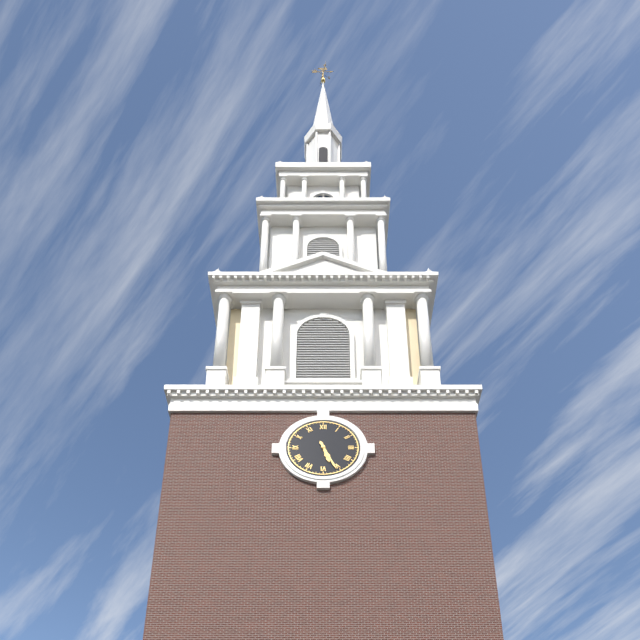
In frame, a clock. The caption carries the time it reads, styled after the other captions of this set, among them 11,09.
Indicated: 5,26
